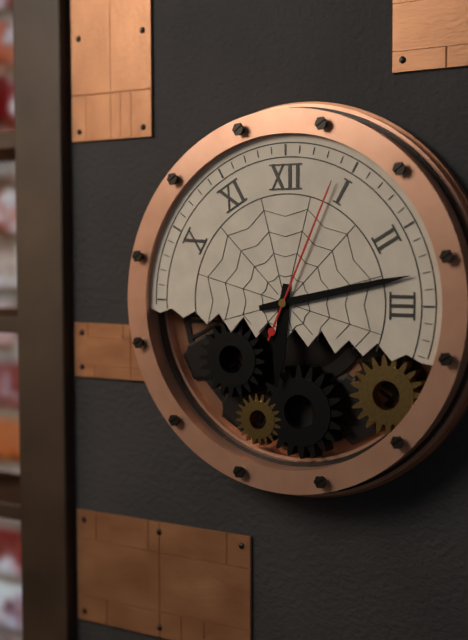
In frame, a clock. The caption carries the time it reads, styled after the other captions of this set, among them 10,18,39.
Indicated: 6,13,04
